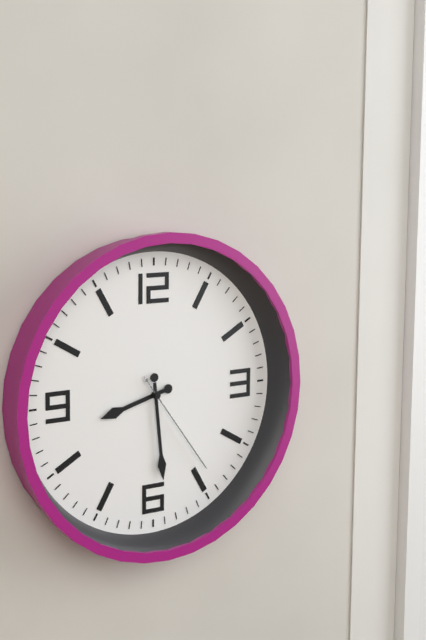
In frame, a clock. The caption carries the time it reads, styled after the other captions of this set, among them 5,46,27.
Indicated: 8,29,24
